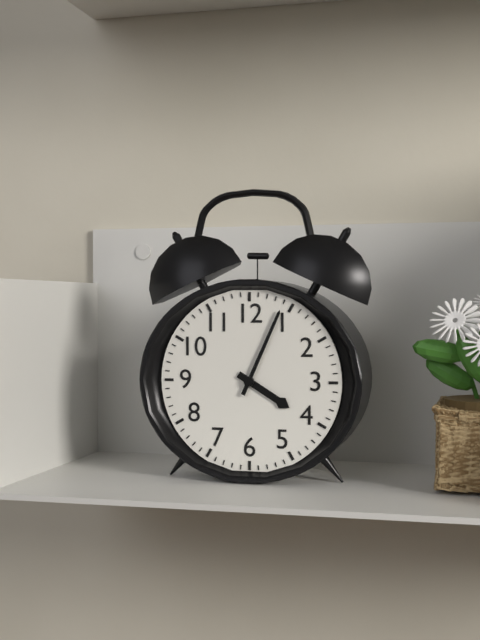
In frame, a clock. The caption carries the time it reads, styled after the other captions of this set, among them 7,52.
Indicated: 4,04
